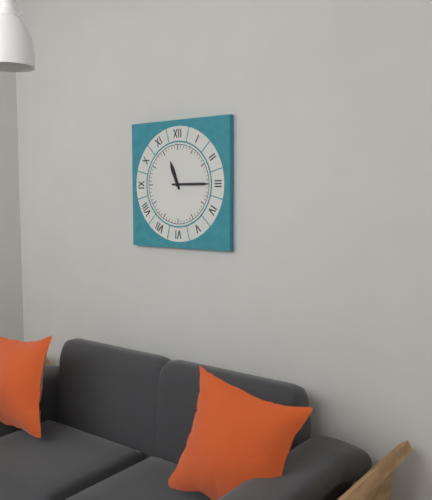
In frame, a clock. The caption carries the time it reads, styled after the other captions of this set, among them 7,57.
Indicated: 11,15
